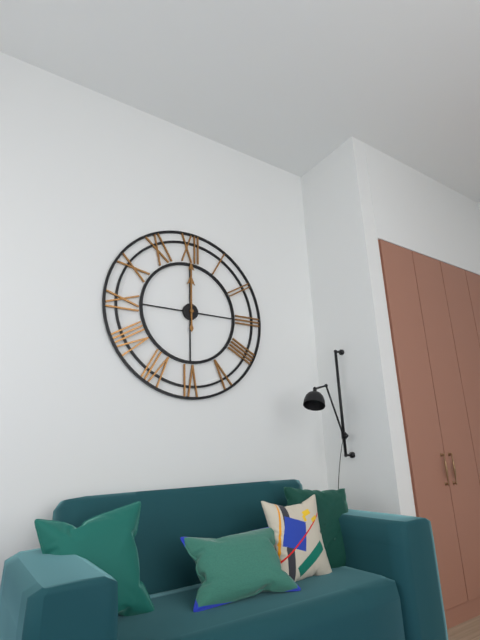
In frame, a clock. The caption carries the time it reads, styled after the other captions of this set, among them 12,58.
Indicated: 12,00
